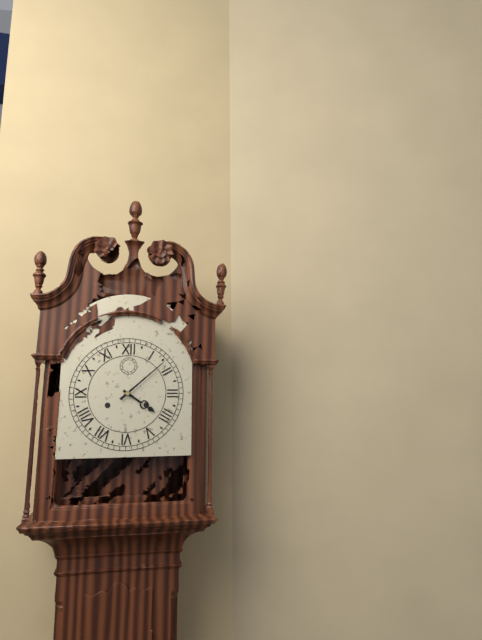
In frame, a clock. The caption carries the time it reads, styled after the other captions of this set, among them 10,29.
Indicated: 4,08
